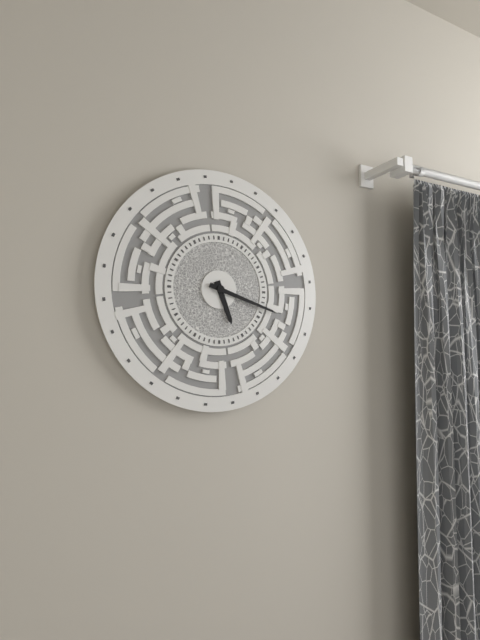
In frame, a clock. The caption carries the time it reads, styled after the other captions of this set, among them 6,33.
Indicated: 5,18
